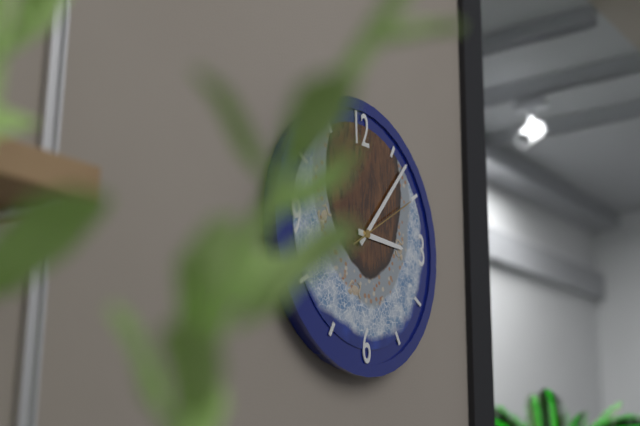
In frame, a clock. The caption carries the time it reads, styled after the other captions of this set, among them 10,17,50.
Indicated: 3,07,10
